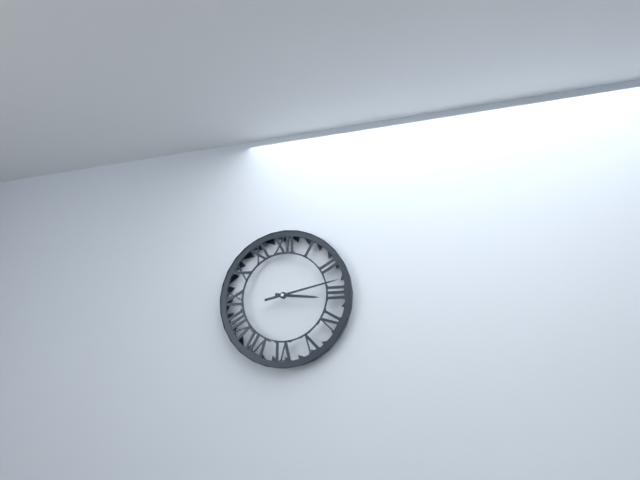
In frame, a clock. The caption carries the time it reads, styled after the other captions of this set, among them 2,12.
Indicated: 3,13
